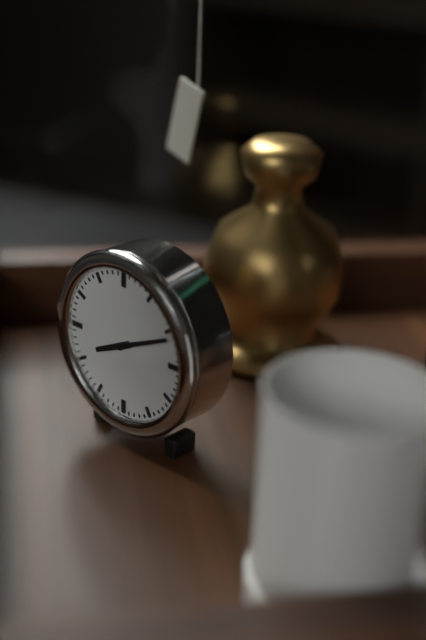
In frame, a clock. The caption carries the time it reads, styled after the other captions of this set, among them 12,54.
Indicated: 8,11
